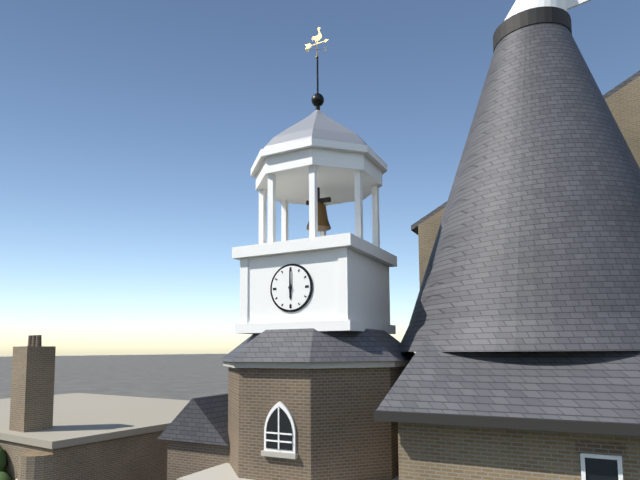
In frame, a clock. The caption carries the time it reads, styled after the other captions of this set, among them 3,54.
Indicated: 6,00
